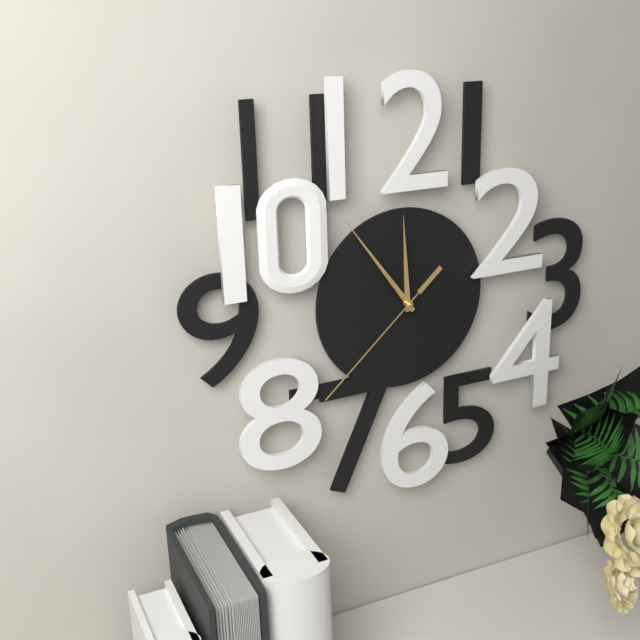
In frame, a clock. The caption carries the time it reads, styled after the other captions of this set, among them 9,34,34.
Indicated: 11,54,38
